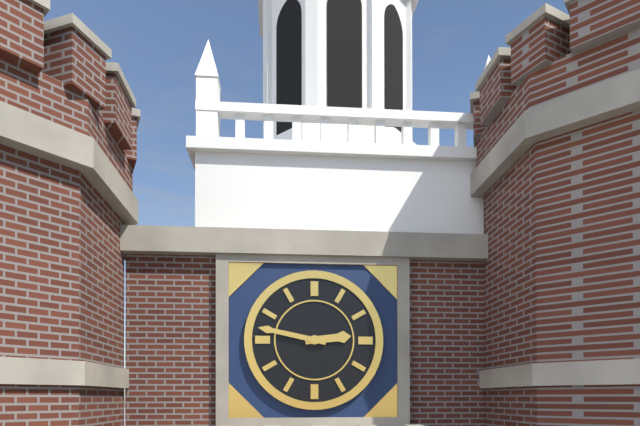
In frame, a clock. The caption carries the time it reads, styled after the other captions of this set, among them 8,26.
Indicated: 2,47
